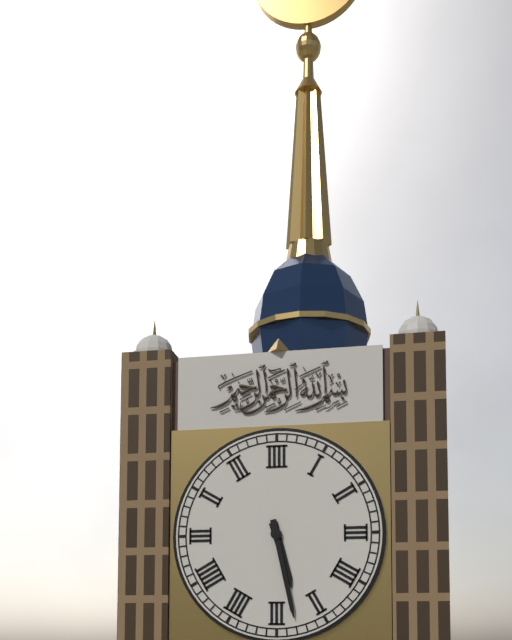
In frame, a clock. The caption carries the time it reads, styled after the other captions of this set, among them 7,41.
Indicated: 5,28
